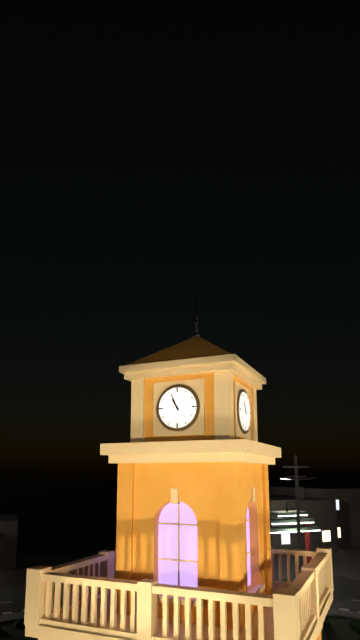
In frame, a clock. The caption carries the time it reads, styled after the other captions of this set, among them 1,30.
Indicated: 10,56
